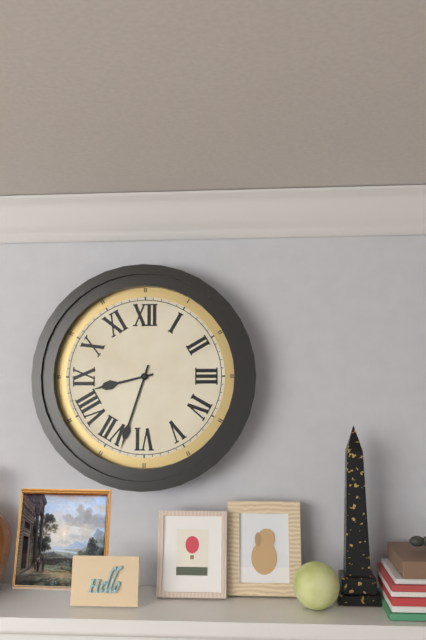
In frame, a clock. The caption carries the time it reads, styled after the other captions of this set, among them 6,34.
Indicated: 8,33
